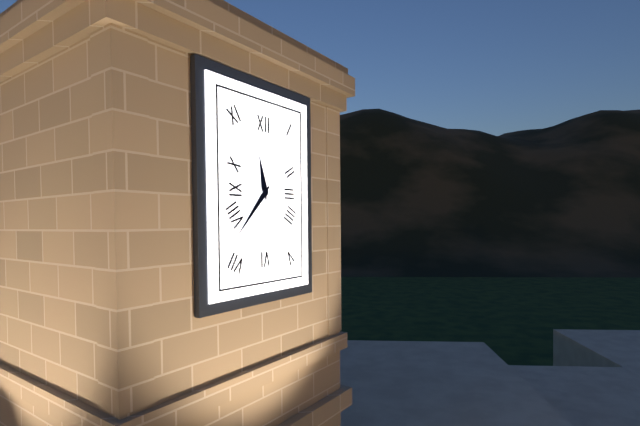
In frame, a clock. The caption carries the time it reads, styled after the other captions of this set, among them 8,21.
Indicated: 11,37
